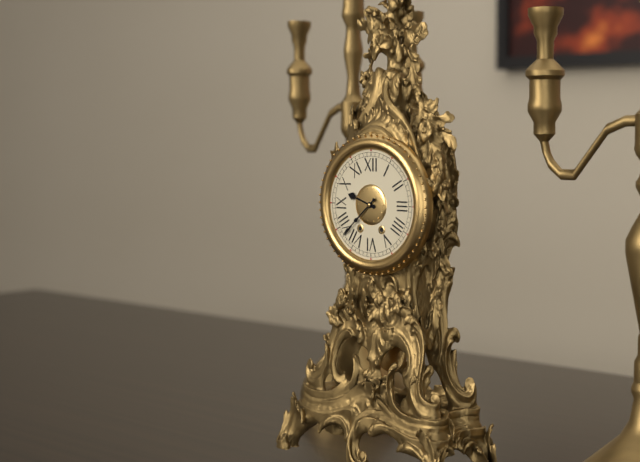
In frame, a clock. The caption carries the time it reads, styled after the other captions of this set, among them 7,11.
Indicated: 9,38
